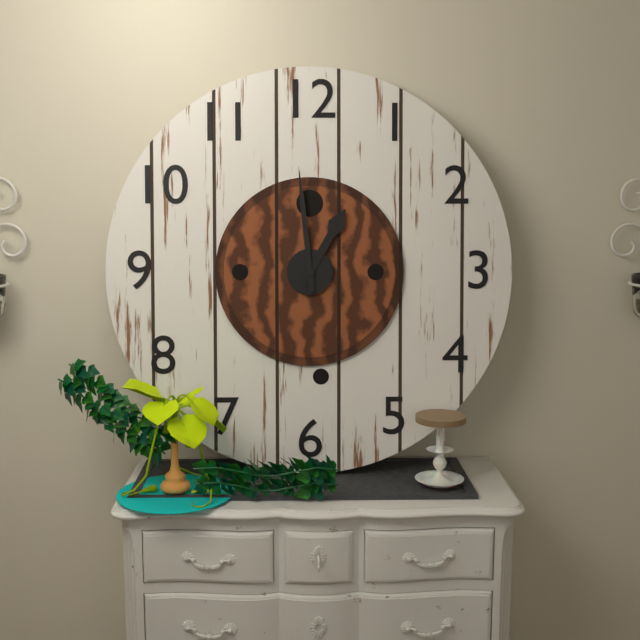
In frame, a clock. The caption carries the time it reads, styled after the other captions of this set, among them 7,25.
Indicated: 12,59
